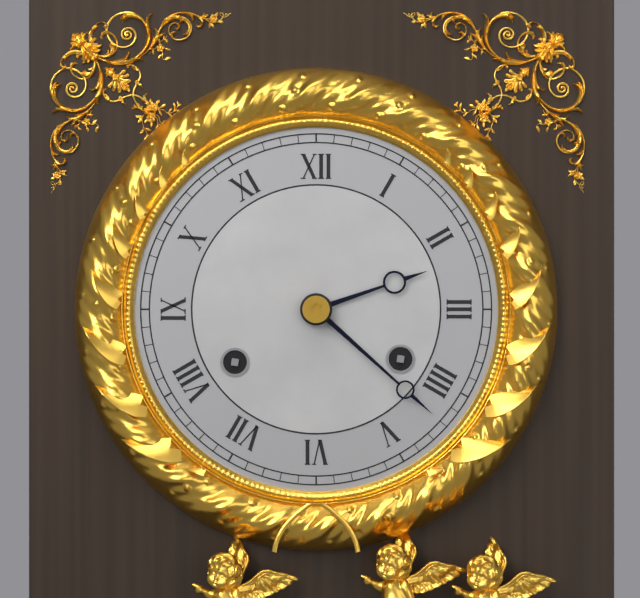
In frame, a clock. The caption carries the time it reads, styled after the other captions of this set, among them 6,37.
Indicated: 2,22
